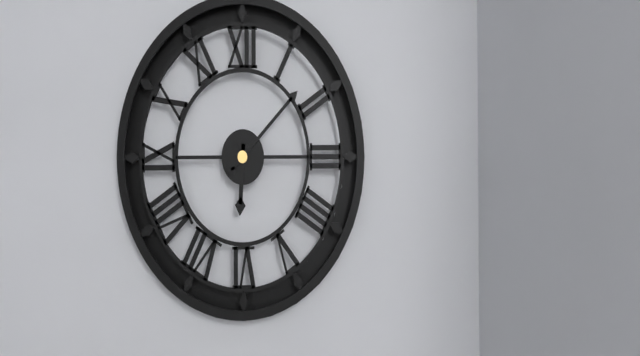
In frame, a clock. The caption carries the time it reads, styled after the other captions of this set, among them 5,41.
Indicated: 6,08
